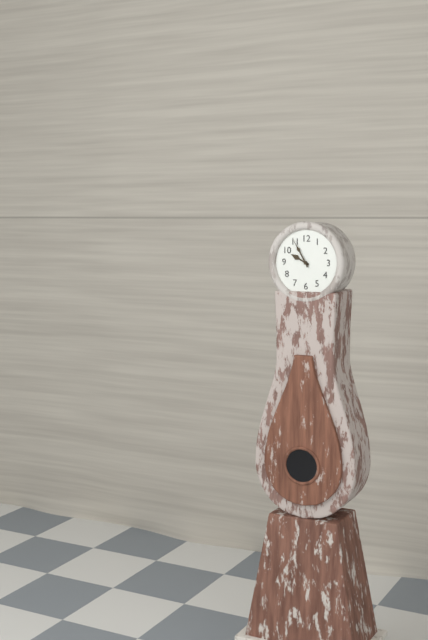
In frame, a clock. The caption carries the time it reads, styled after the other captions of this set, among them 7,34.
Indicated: 9,55
